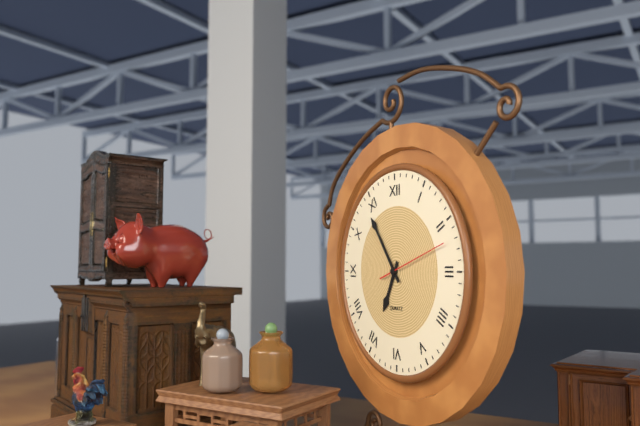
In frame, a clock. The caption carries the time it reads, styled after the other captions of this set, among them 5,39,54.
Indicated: 6,54,12
